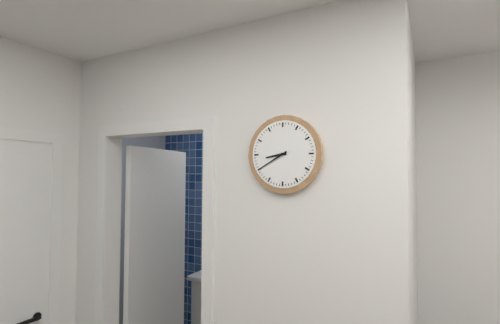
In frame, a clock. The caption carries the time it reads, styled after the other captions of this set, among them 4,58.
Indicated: 8,40
